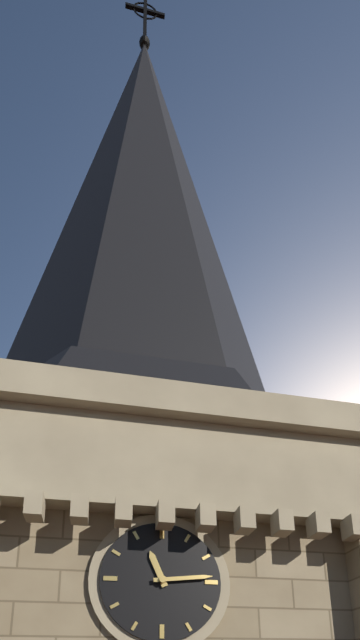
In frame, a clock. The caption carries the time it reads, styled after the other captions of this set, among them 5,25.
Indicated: 11,14
